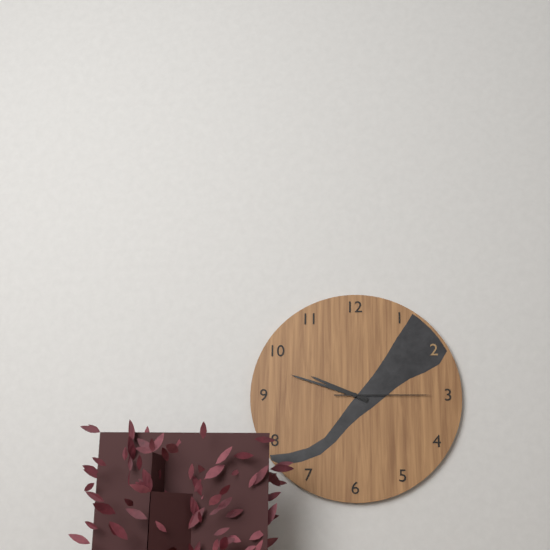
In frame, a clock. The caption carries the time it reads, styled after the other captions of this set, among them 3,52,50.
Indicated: 9,48,15
